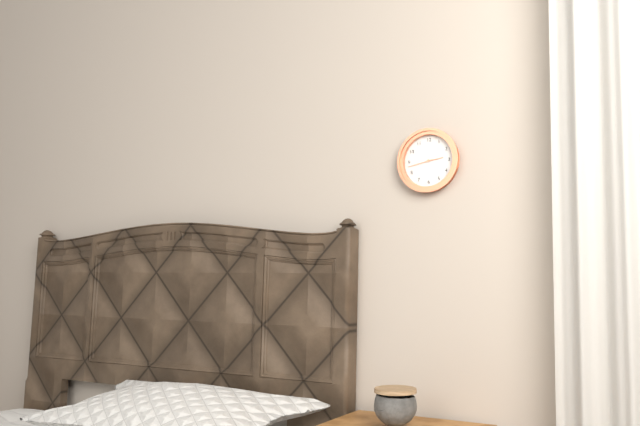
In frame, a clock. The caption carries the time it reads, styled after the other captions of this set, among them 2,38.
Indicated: 2,43
